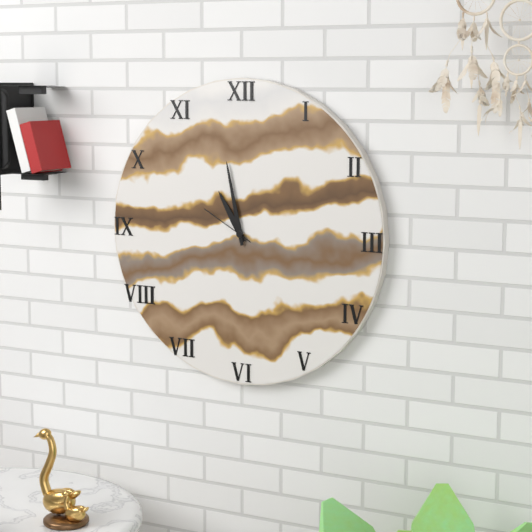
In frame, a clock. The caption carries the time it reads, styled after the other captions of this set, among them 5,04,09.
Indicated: 10,58,50
